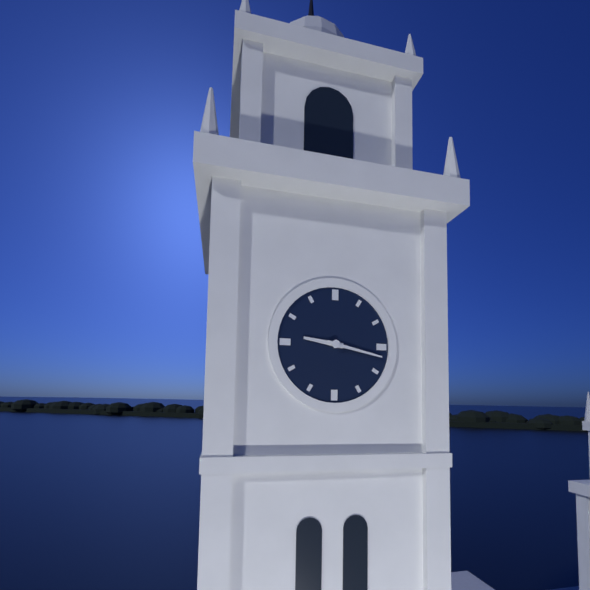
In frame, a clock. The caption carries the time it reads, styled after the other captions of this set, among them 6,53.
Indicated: 9,17
